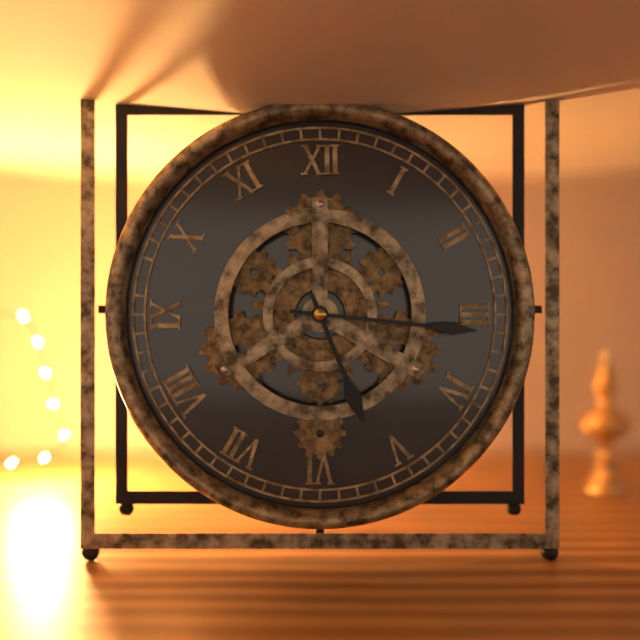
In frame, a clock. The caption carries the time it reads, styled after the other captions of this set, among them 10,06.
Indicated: 5,16
